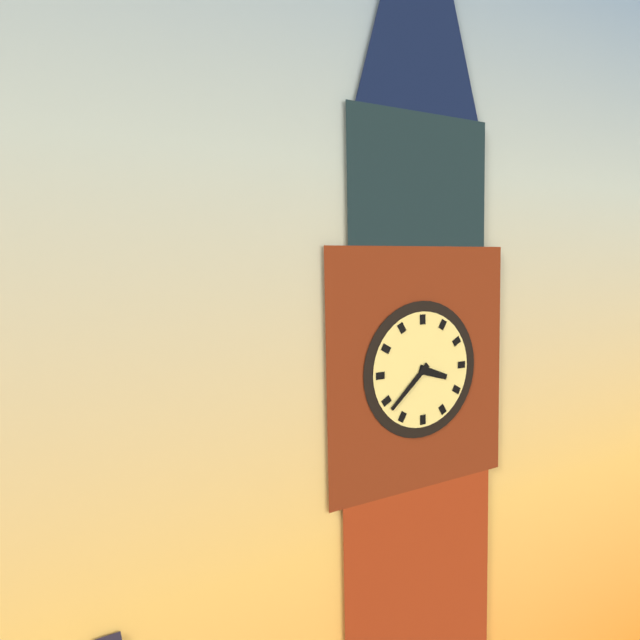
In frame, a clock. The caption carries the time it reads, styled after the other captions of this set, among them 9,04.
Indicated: 3,38
